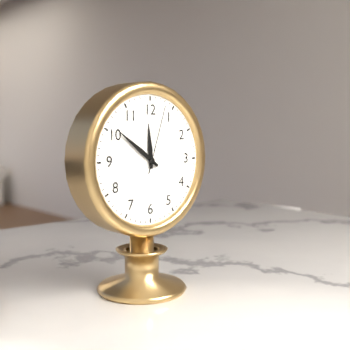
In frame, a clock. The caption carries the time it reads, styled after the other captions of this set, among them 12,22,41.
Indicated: 11,51,03
